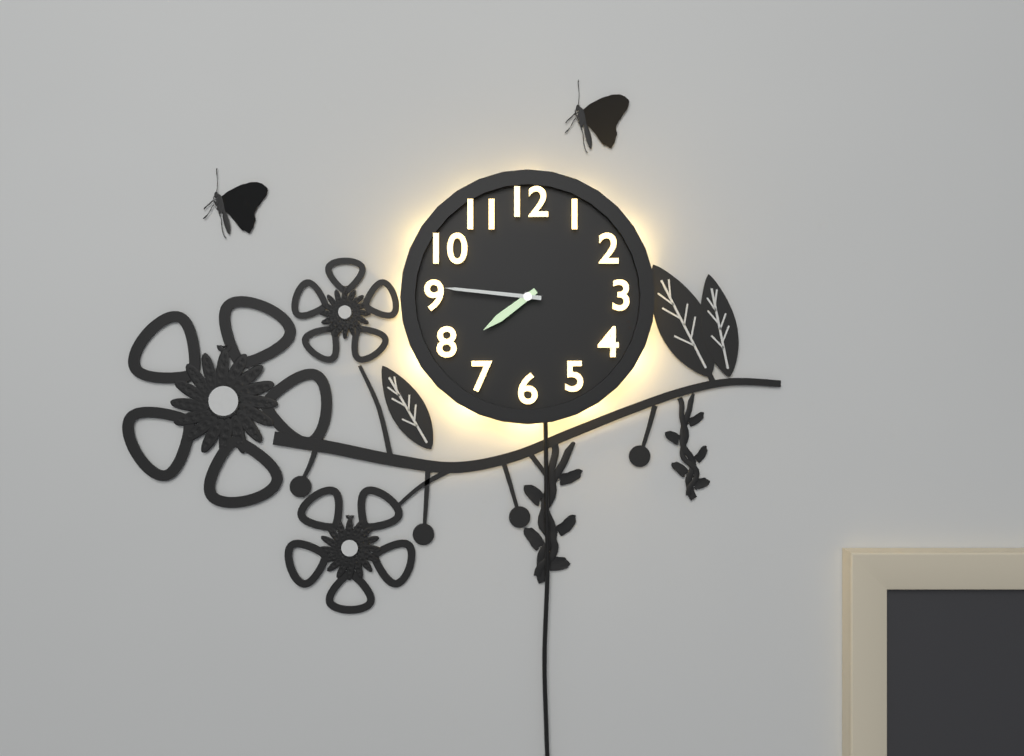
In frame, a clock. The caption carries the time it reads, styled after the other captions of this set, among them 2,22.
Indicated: 7,46
